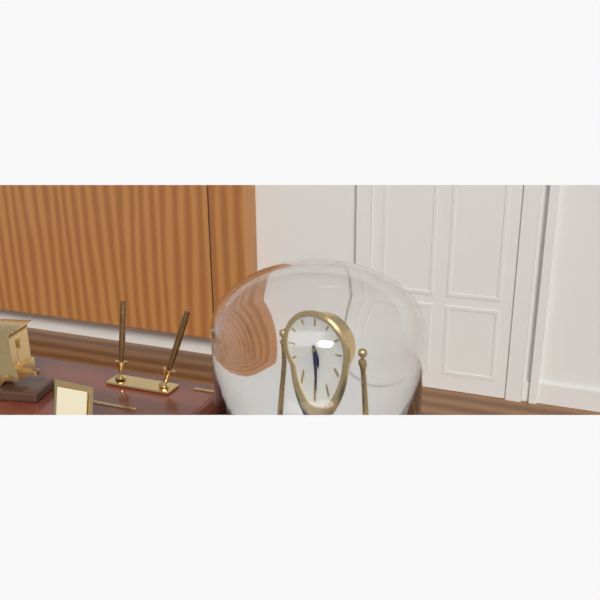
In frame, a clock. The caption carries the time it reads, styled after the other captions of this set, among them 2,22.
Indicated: 5,29
